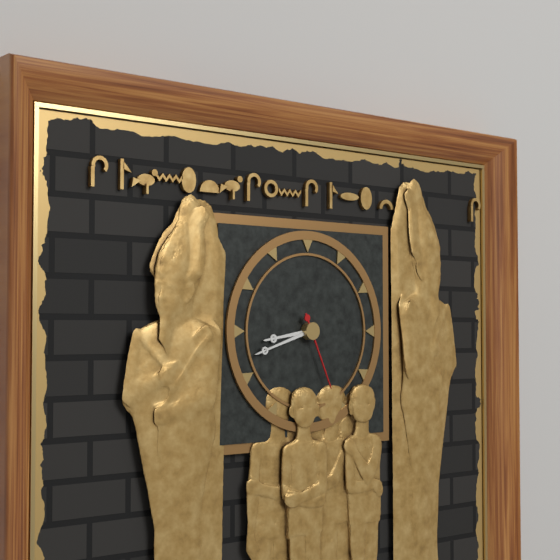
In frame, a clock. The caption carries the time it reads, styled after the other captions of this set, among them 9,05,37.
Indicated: 8,42,26
